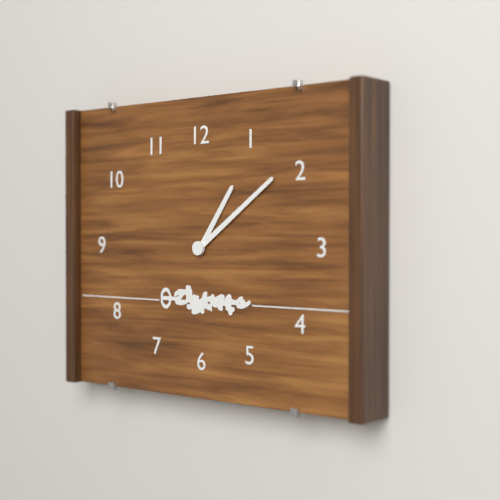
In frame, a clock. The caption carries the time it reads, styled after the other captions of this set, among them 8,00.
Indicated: 1,09
